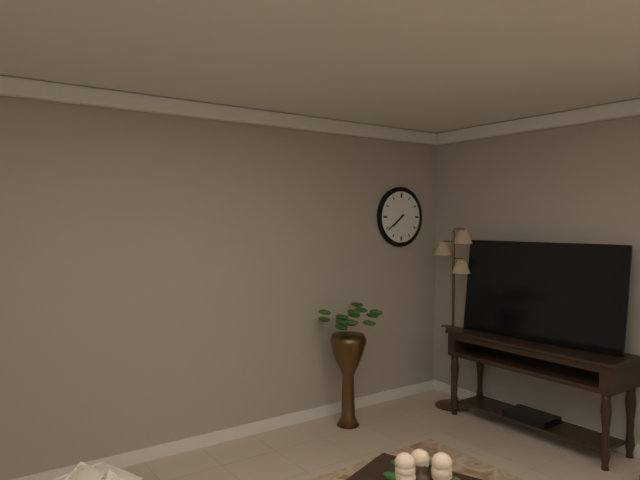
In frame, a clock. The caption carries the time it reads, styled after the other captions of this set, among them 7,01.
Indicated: 7,39
